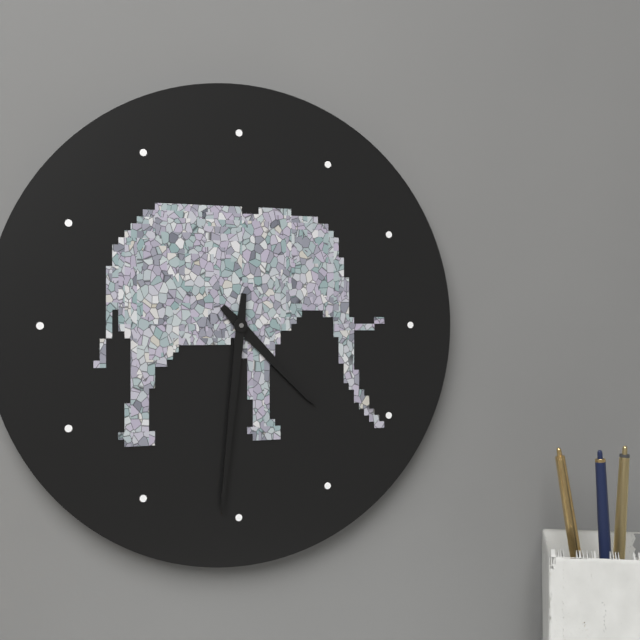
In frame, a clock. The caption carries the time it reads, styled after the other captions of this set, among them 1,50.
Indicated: 4,31
